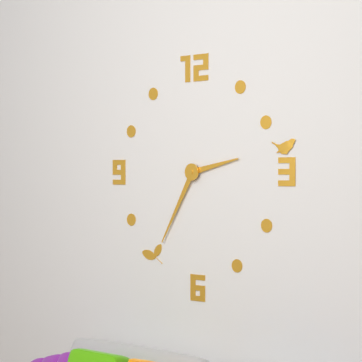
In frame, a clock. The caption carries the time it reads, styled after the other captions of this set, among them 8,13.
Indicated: 2,35
